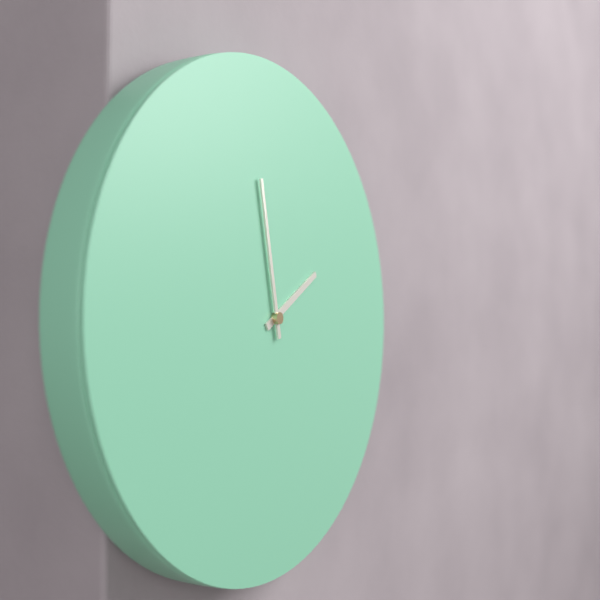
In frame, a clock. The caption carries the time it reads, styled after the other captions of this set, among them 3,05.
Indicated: 1,58
